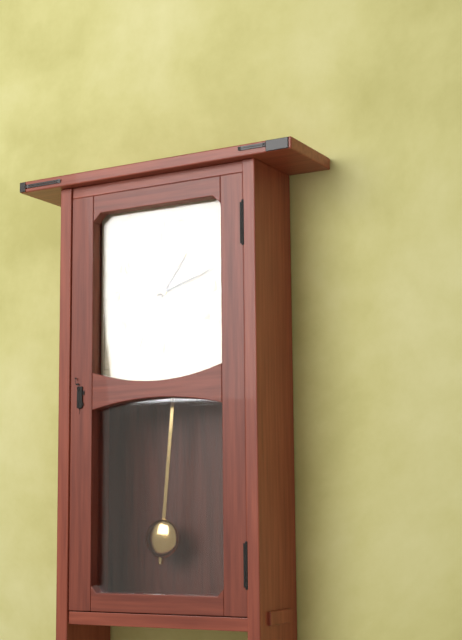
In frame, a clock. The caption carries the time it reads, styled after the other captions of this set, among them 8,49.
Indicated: 1,12
